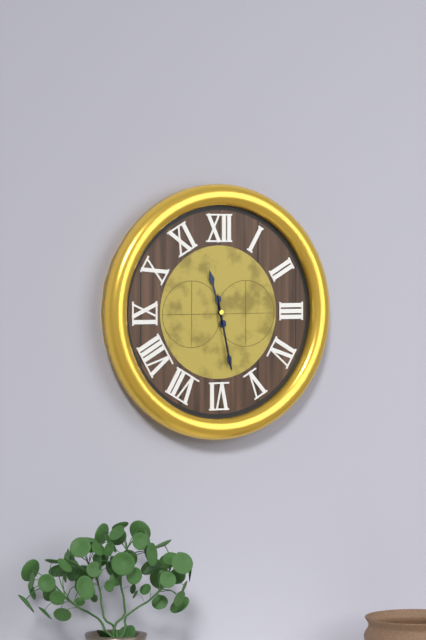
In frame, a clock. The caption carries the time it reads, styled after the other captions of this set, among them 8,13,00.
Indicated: 11,28,28
